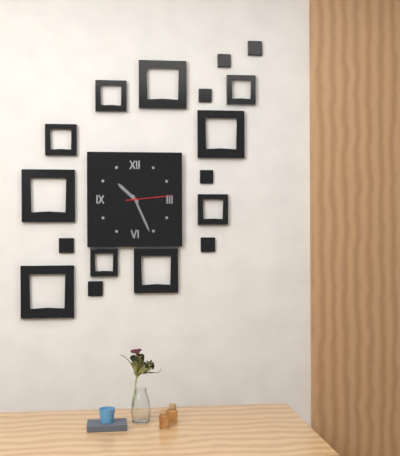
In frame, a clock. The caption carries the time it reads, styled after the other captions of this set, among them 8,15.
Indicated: 10,26
